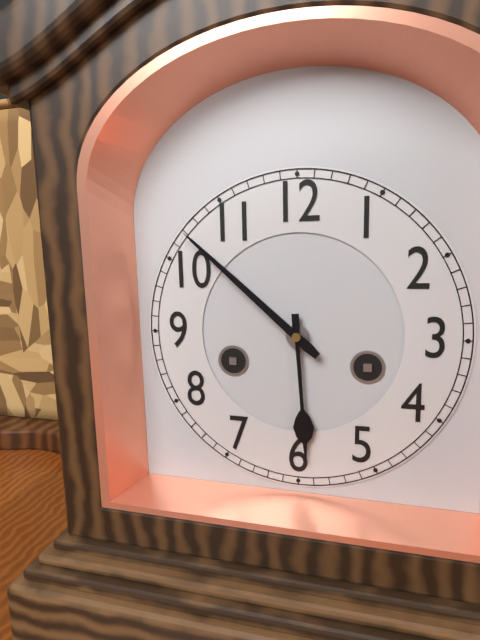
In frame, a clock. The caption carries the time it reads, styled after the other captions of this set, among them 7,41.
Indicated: 5,52
